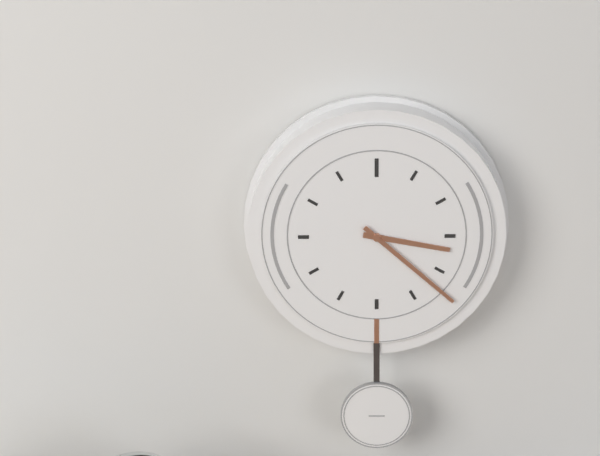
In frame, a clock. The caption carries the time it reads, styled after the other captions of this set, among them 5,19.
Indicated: 3,22
